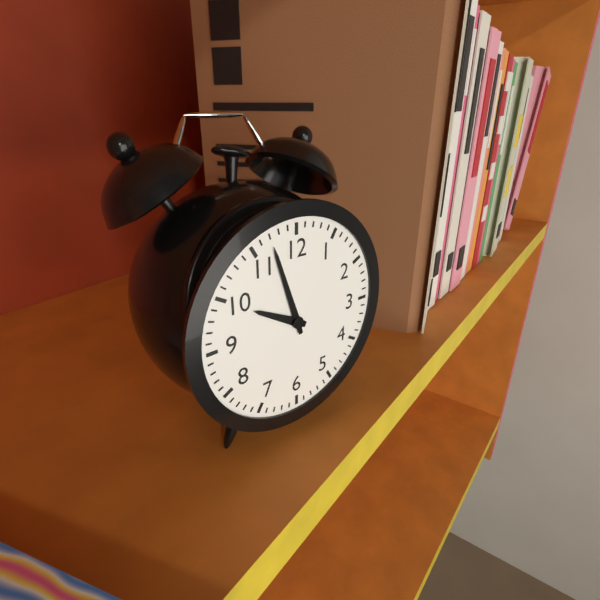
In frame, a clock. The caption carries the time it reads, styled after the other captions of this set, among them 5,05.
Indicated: 9,57
